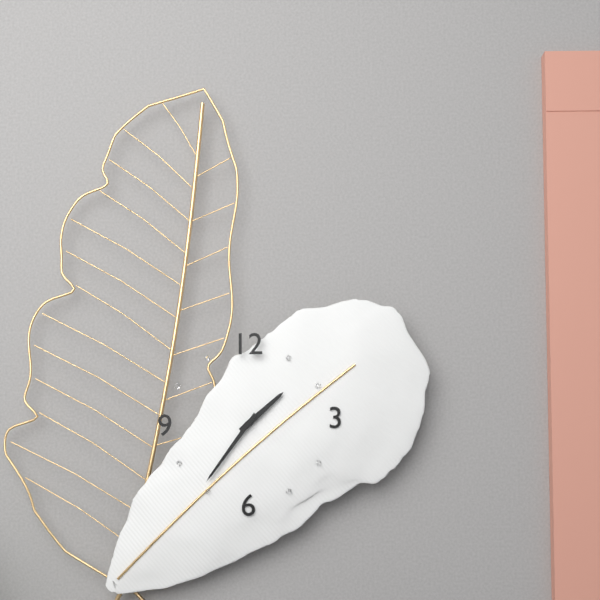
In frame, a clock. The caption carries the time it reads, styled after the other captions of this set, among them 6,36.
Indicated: 1,36
